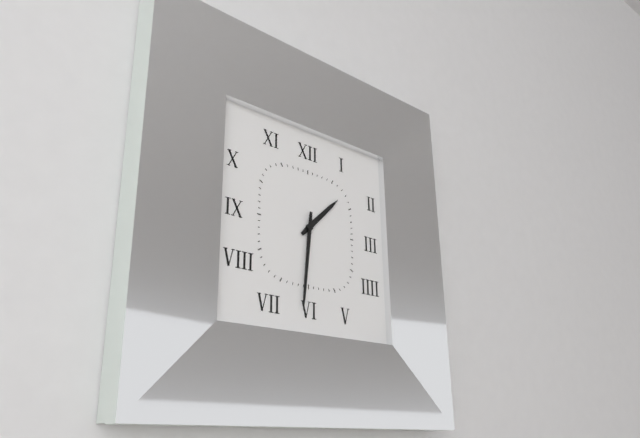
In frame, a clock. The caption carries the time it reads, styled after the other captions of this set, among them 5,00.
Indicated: 1,31
